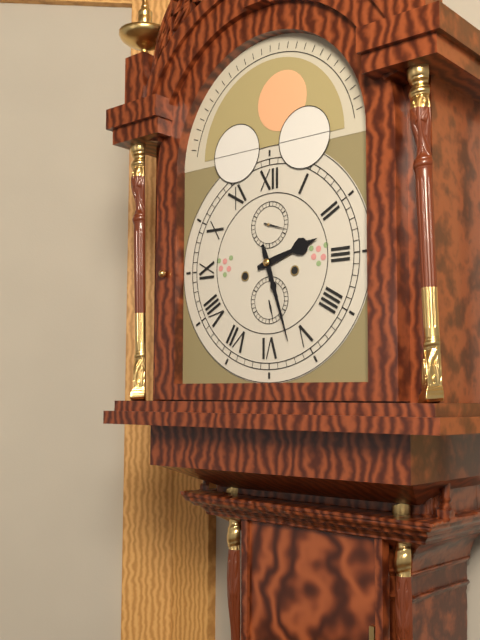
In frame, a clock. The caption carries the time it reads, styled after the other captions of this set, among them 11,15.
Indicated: 2,27
